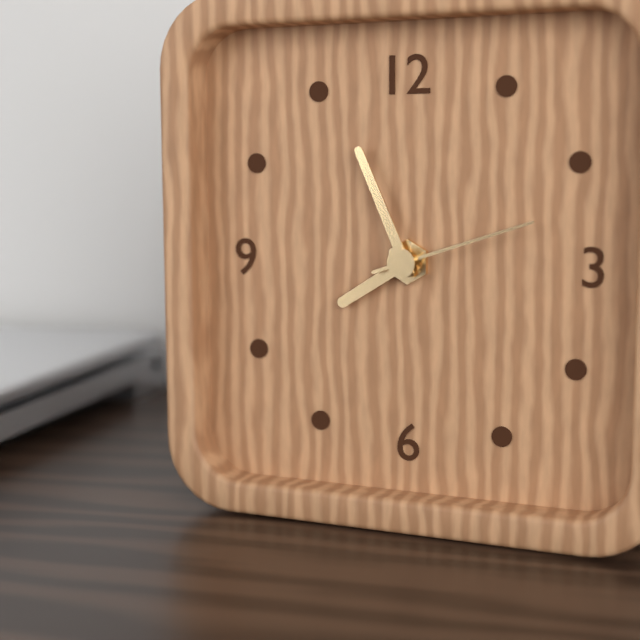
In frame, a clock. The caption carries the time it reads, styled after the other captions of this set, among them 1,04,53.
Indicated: 7,56,12
